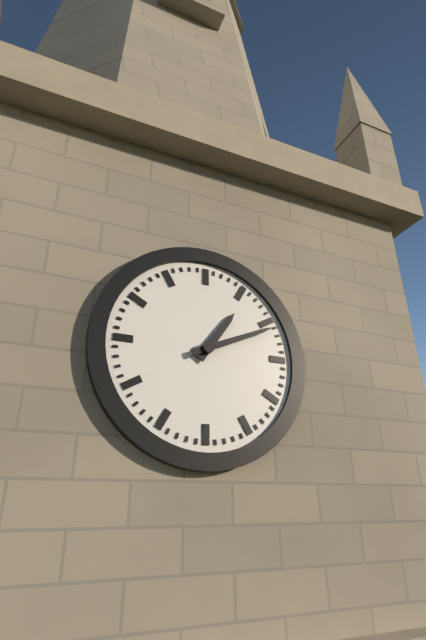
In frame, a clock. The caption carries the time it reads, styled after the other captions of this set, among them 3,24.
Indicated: 1,11
